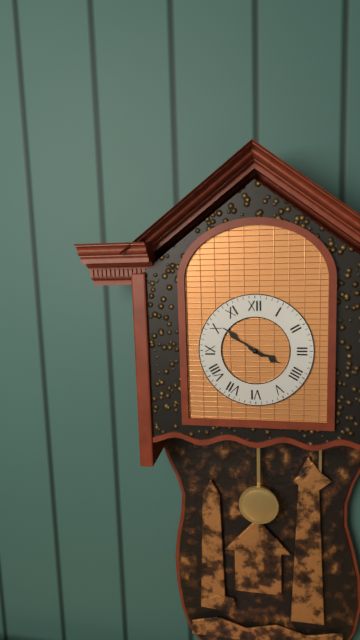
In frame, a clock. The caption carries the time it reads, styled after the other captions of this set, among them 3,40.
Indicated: 3,51
